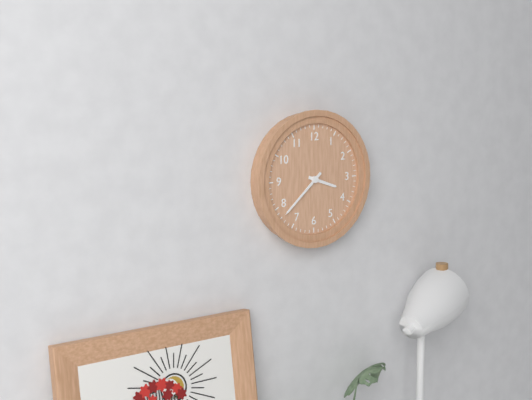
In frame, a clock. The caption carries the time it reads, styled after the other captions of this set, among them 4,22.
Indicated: 3,38
